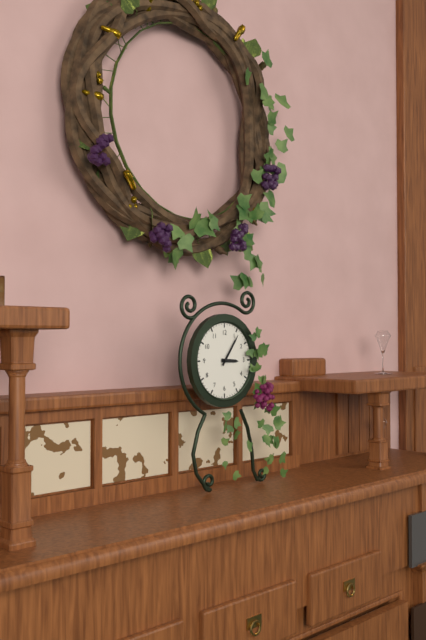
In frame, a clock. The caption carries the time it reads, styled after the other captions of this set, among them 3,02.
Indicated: 3,06
